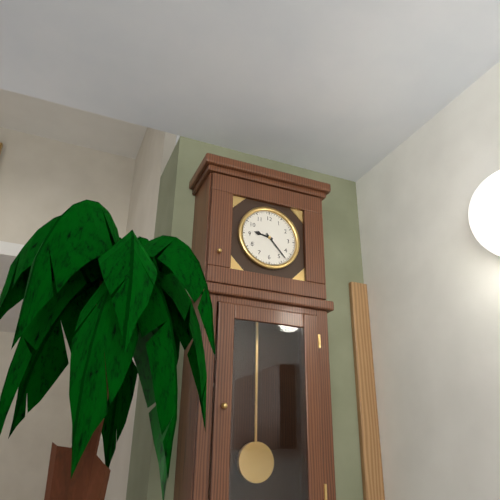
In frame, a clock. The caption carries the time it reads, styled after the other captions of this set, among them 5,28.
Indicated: 9,23
